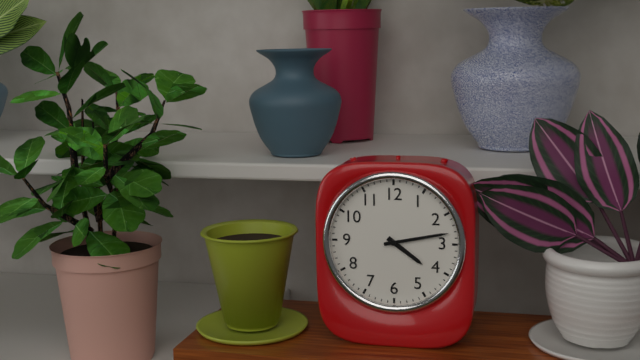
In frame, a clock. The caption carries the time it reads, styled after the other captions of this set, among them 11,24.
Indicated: 4,13
